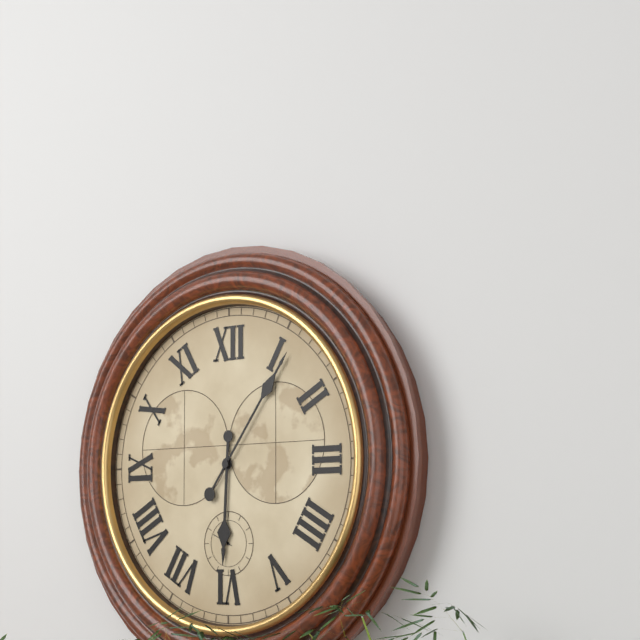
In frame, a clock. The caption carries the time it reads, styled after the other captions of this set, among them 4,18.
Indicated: 6,06
